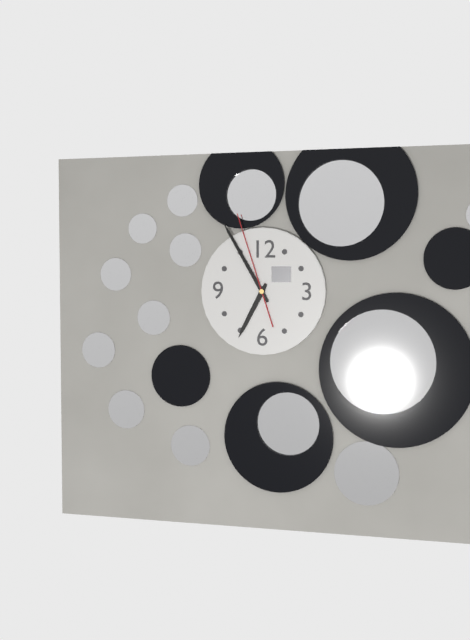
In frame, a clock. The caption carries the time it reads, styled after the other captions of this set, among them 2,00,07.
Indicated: 6,55,57
